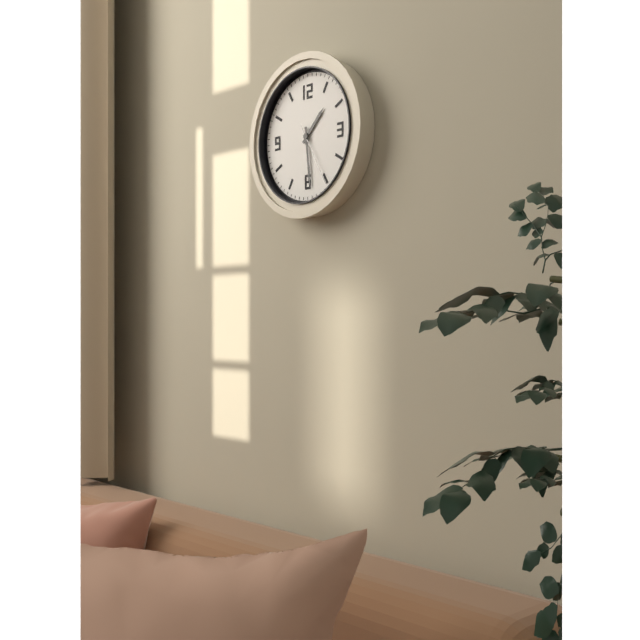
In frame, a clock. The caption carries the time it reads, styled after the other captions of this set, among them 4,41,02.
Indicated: 1,29,25
